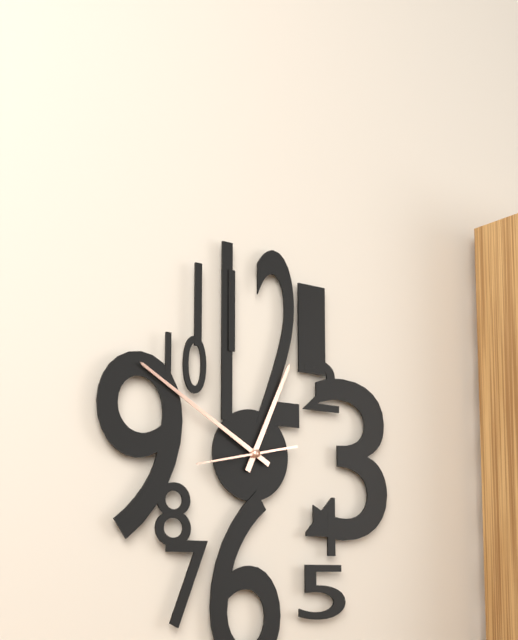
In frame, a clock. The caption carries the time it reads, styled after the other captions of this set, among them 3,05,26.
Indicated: 12,50,43
